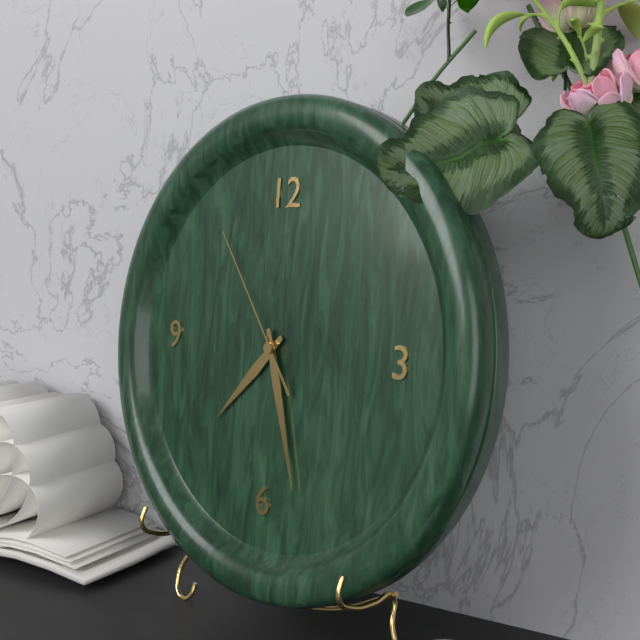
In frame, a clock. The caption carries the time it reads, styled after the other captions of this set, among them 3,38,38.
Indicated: 7,27,54
